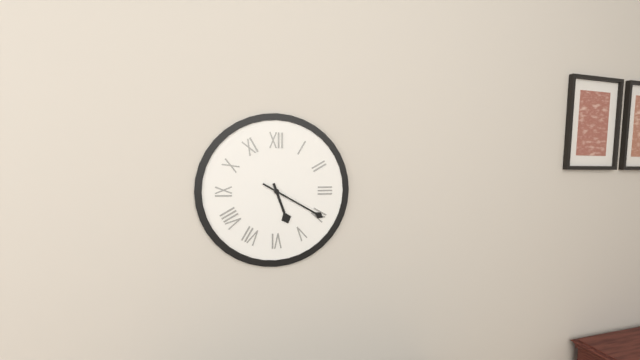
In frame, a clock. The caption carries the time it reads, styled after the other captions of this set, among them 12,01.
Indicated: 5,20
